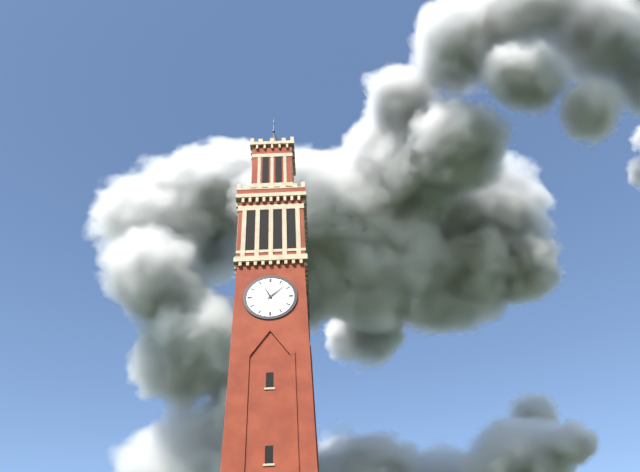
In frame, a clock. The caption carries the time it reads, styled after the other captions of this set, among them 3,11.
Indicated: 11,08
